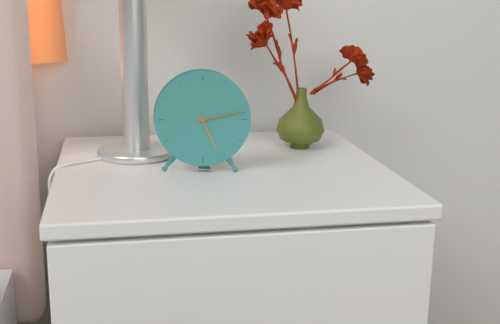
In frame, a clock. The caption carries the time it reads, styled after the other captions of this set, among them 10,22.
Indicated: 5,13
